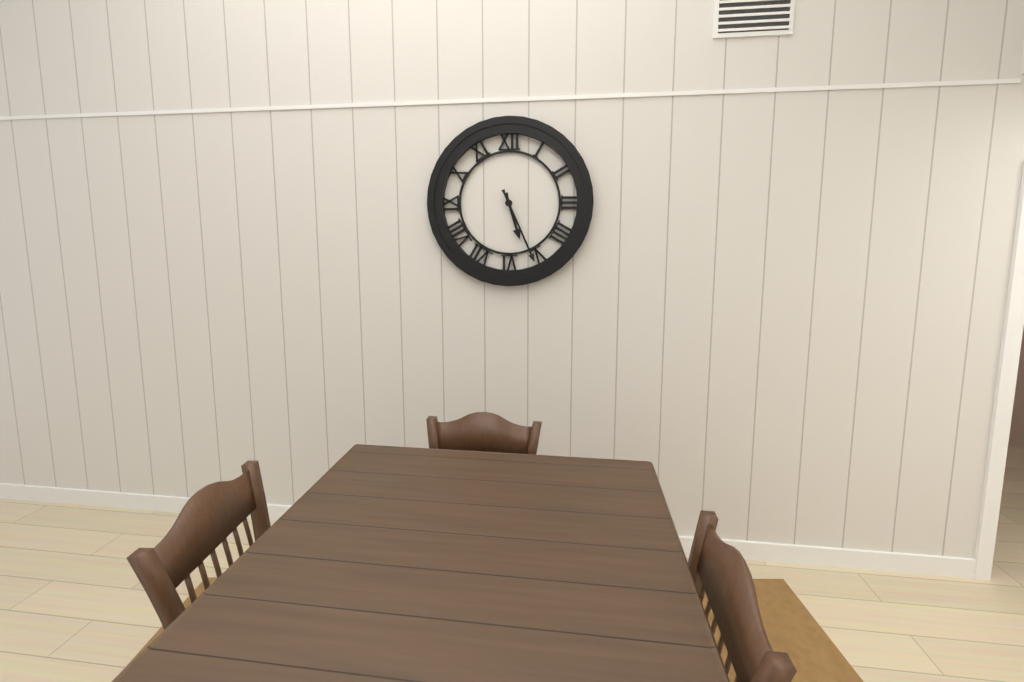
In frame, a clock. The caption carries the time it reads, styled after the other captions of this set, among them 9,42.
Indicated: 5,26
